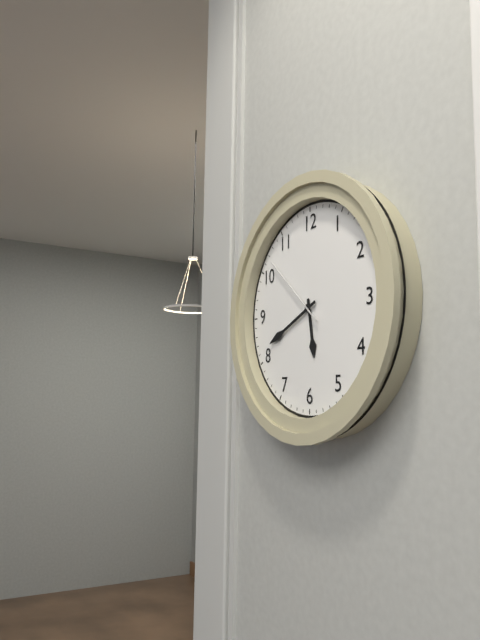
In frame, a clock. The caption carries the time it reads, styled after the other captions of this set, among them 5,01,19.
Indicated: 5,41,52
